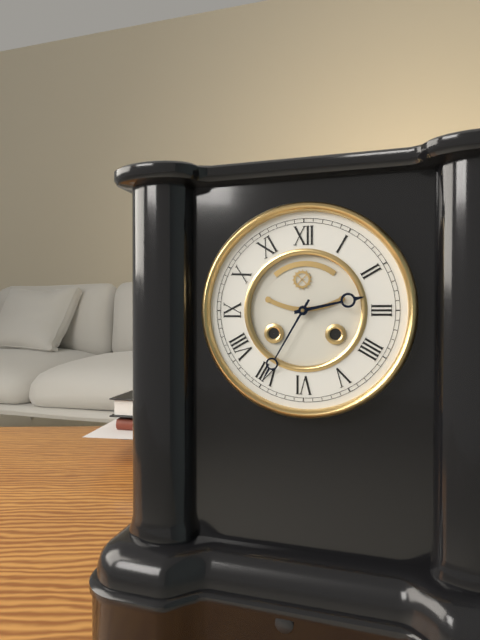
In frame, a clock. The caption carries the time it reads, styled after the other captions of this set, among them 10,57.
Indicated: 2,35
